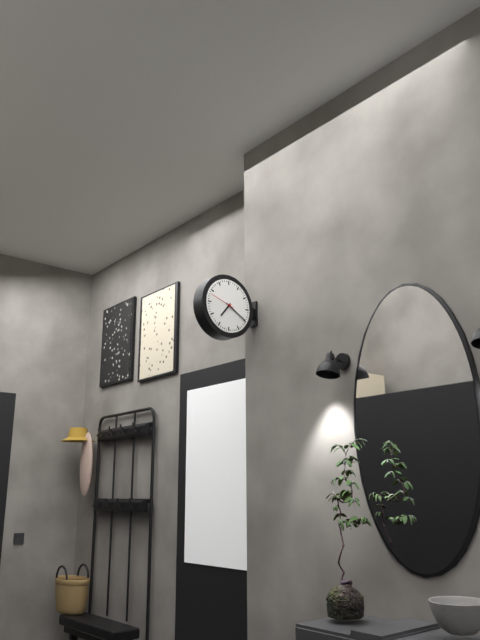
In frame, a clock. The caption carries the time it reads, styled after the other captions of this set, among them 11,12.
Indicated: 7,20
